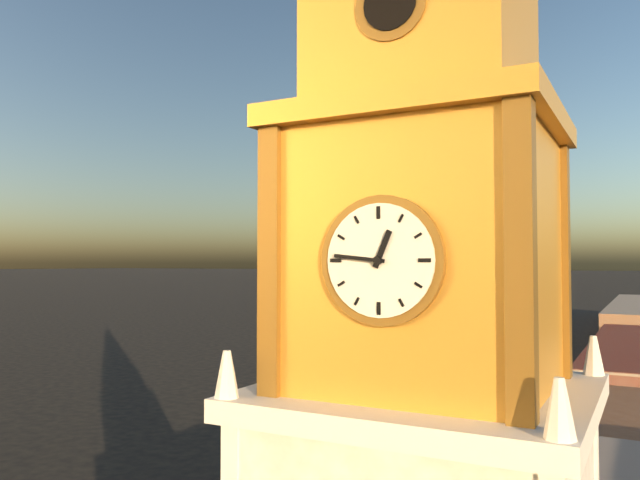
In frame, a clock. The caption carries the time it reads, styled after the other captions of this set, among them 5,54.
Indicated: 12,46
